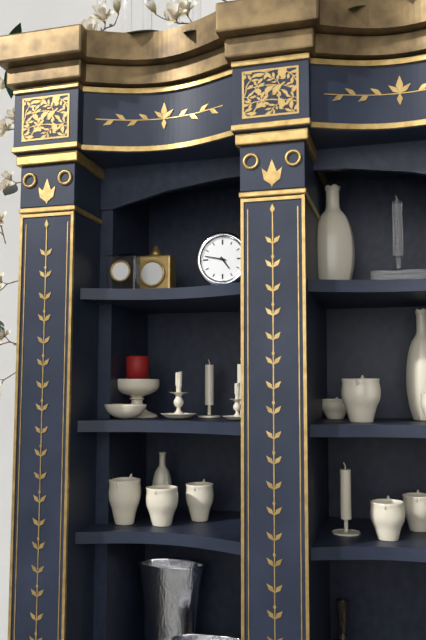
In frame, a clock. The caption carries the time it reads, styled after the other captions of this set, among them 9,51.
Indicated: 4,47
